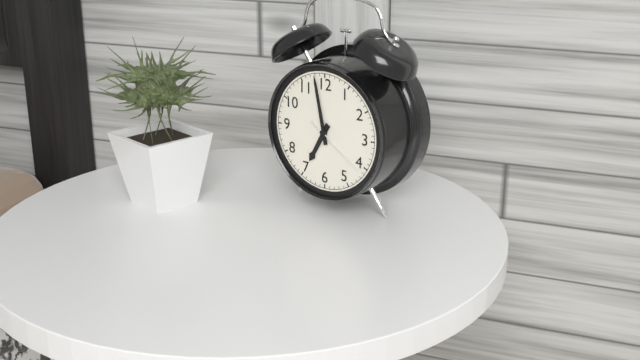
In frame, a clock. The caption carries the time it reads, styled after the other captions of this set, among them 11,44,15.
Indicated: 6,58,21
